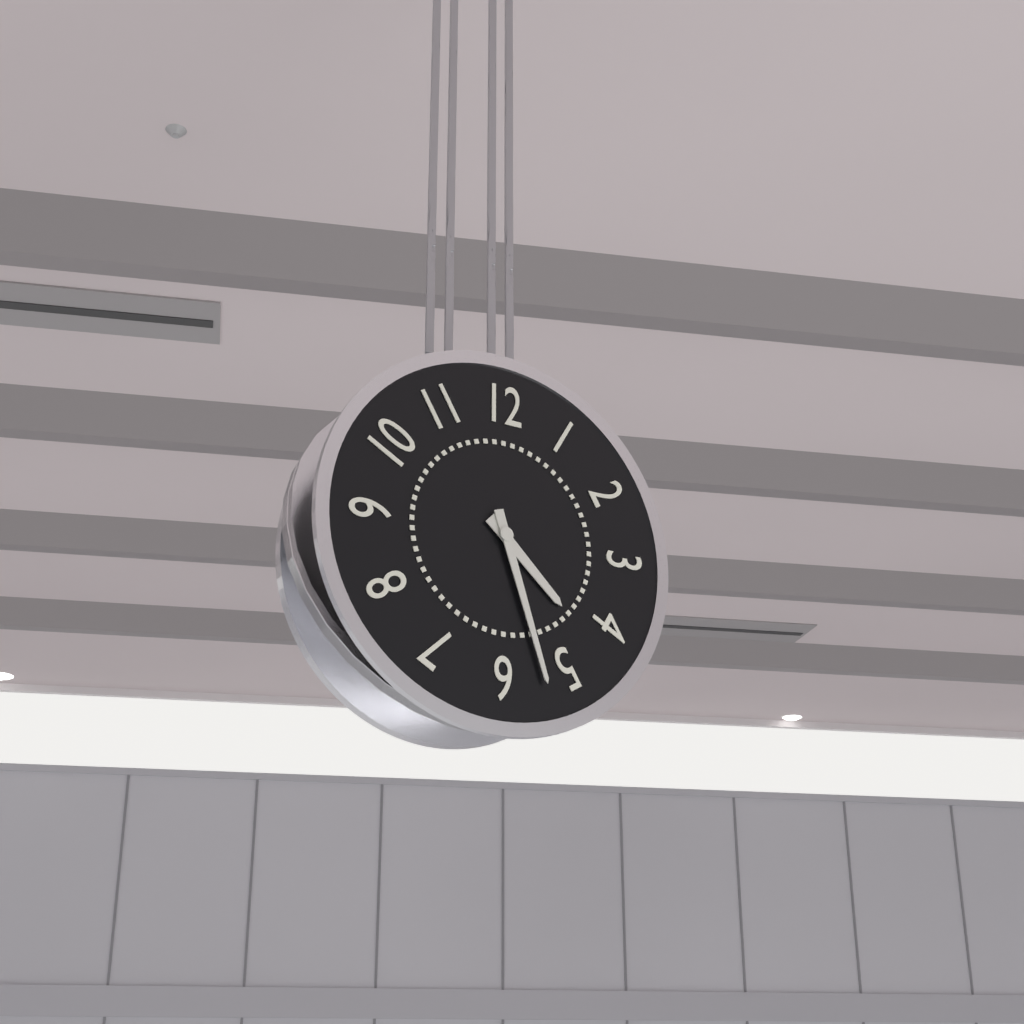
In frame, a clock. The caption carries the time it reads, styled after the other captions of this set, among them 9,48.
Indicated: 4,27
